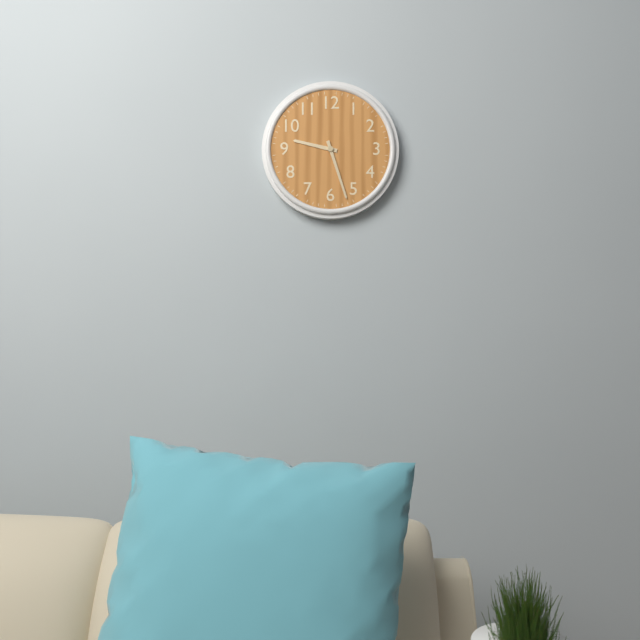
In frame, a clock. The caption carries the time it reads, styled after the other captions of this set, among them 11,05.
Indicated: 9,27
